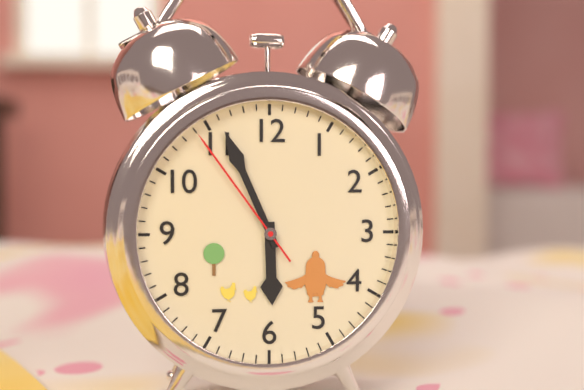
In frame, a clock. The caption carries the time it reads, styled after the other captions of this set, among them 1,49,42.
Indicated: 5,56,54
